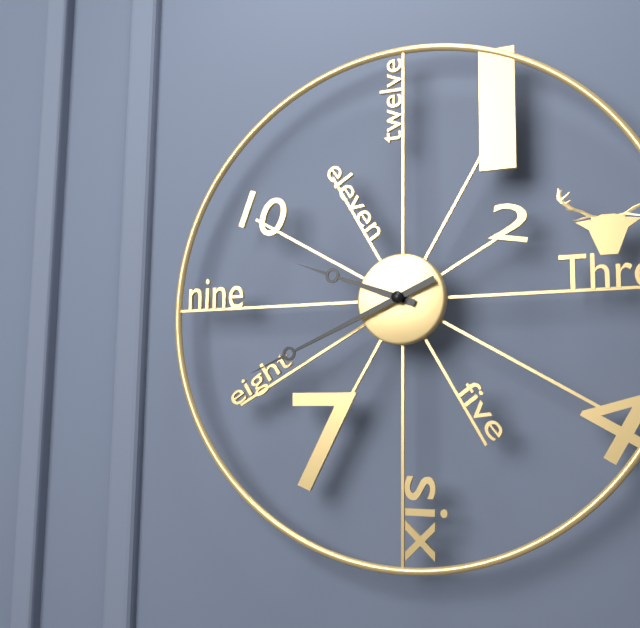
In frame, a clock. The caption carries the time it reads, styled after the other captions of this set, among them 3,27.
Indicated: 9,41
